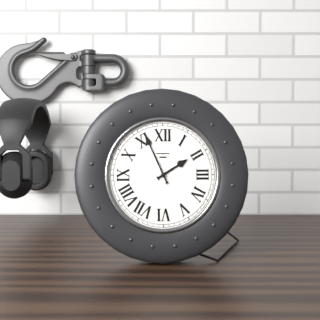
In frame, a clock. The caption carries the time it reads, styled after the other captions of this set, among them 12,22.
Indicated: 1,56
